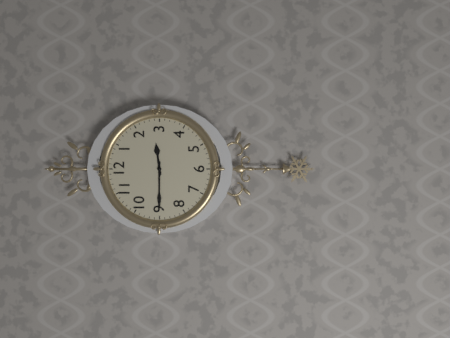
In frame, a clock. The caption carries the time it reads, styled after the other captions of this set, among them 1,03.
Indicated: 2,45
